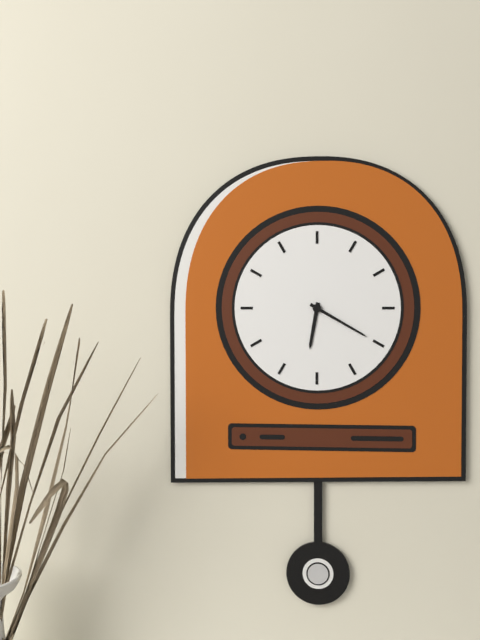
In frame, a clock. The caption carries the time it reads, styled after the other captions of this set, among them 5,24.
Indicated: 6,20
